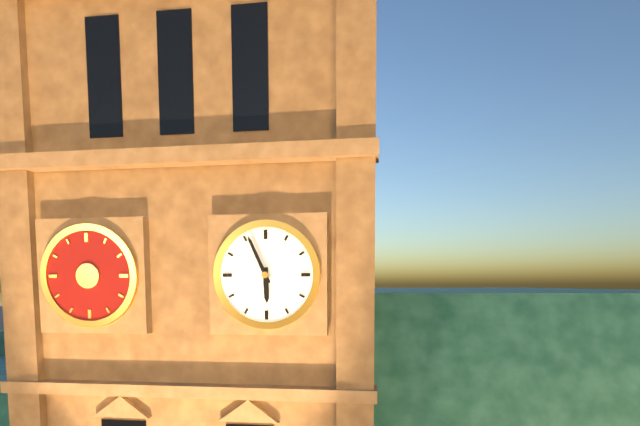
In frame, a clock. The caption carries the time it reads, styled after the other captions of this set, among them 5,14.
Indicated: 5,56
